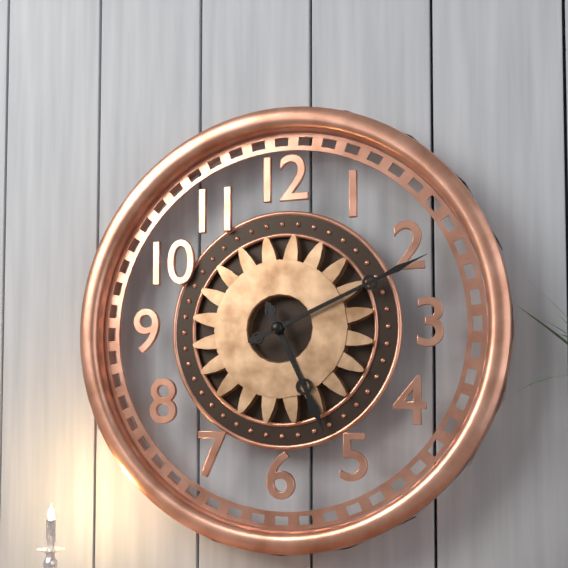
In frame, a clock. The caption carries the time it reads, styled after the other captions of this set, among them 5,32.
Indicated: 5,11
